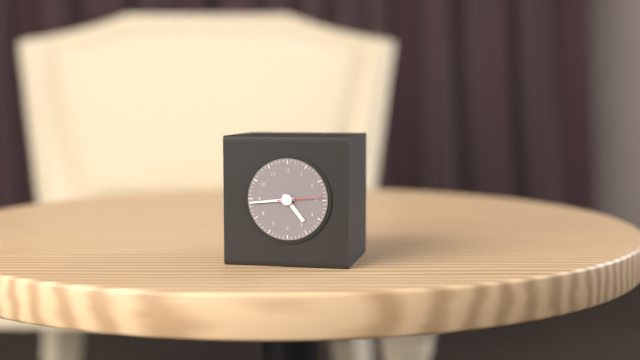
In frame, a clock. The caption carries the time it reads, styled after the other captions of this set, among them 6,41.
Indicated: 4,44
